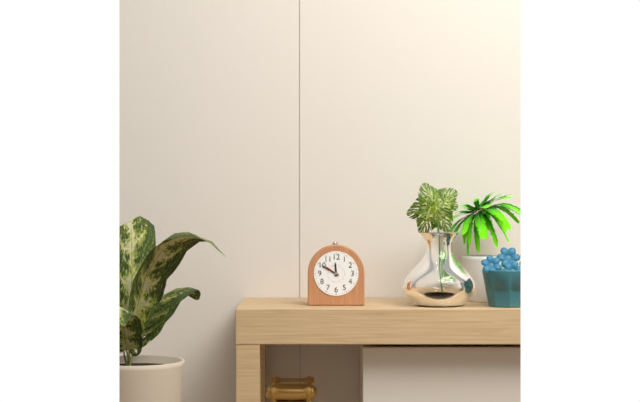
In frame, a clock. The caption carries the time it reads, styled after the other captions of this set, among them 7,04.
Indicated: 11,50
